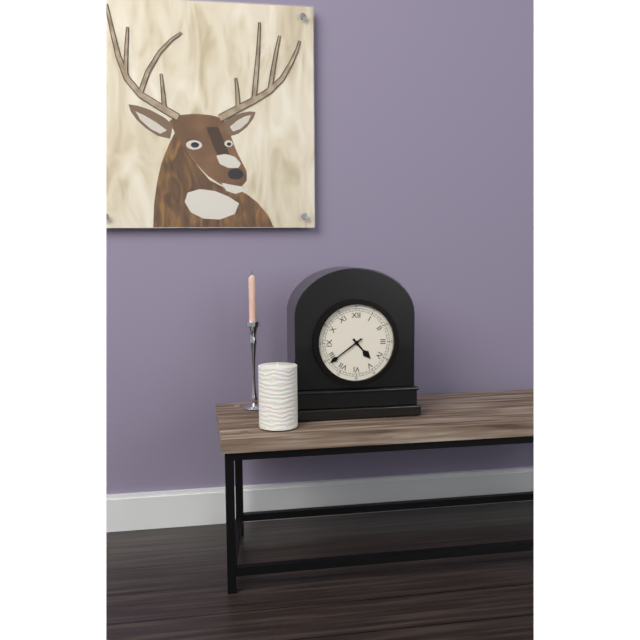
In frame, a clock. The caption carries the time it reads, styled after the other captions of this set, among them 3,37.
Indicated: 4,39
